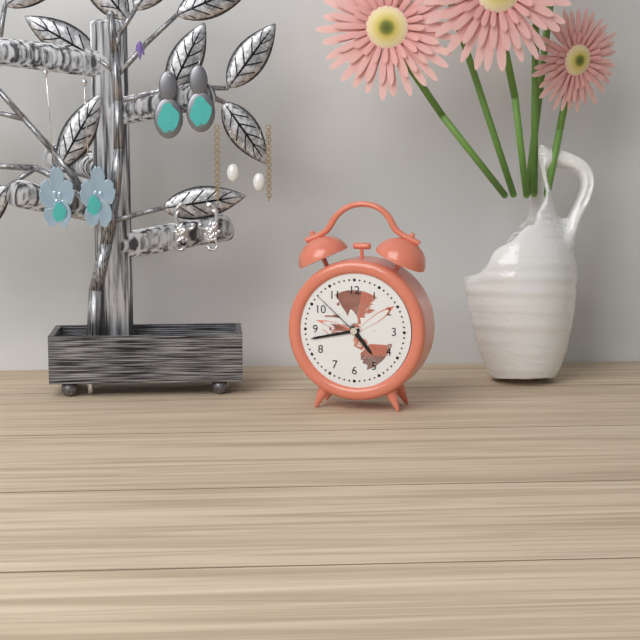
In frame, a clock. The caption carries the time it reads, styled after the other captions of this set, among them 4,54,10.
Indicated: 4,43,52
